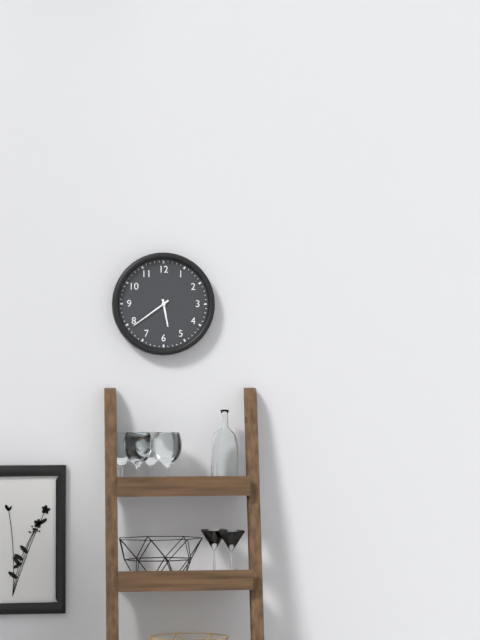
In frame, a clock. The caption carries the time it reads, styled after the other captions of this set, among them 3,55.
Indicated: 5,39
